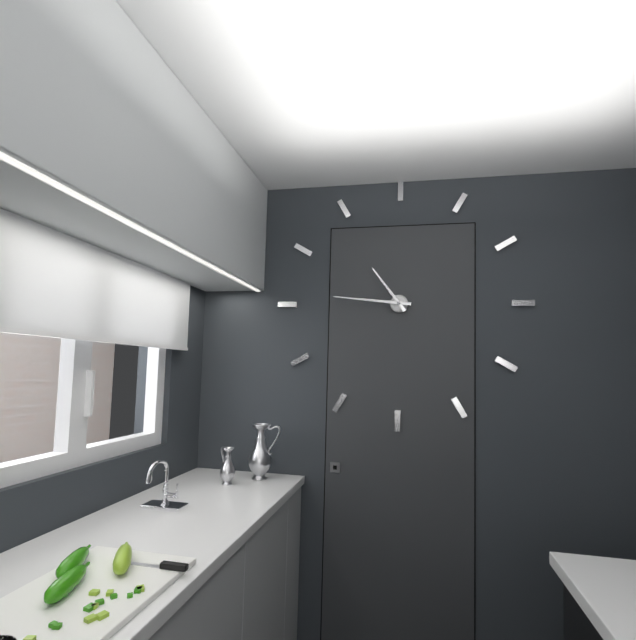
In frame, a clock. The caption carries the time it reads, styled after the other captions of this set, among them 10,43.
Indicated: 10,46
